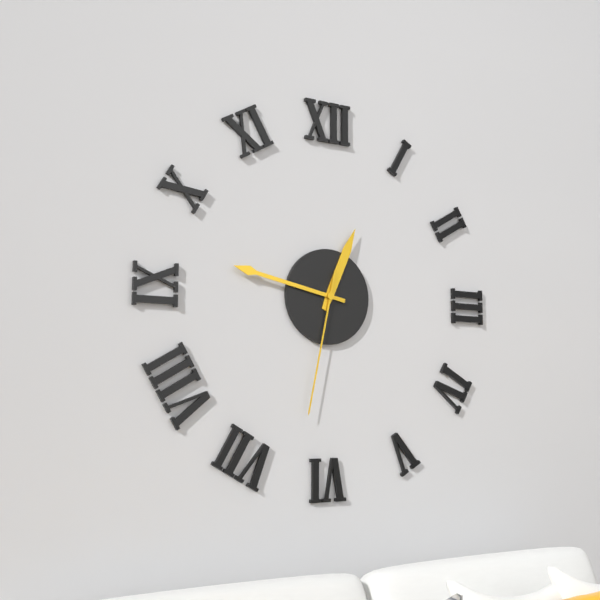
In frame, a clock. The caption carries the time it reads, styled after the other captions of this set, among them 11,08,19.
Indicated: 12,47,32
